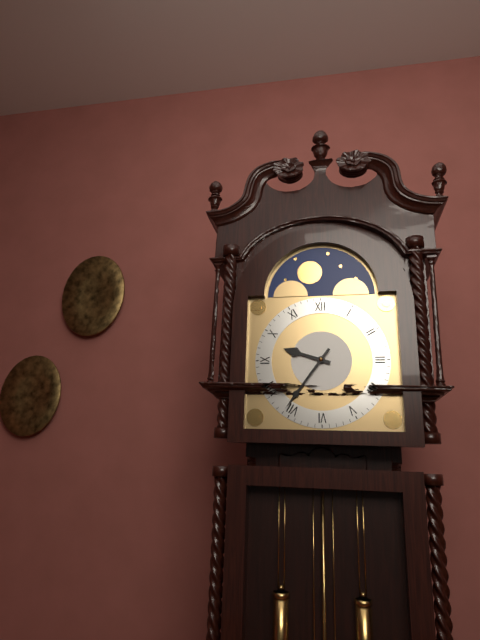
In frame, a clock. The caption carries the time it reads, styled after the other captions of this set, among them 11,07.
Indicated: 9,36
